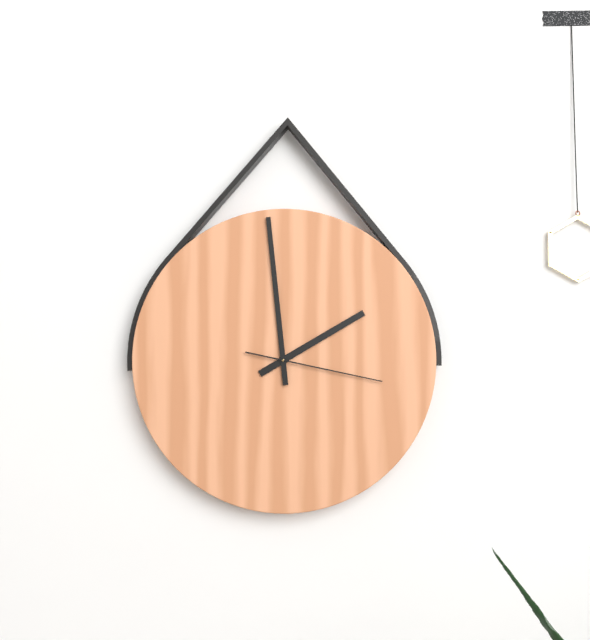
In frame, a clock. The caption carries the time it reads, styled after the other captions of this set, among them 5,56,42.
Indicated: 1,59,17
